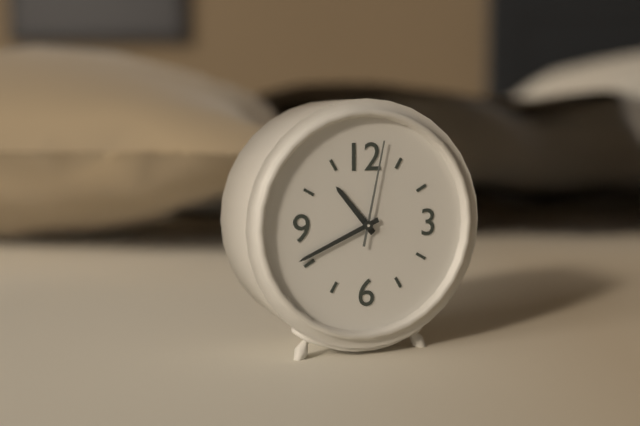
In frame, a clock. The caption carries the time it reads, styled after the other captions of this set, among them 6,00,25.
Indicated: 10,41,02
